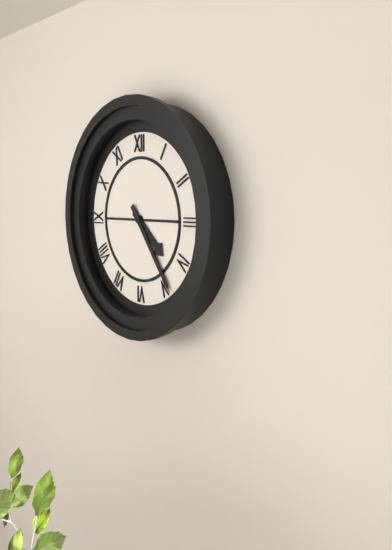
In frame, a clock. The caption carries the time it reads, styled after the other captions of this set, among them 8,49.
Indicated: 4,24
